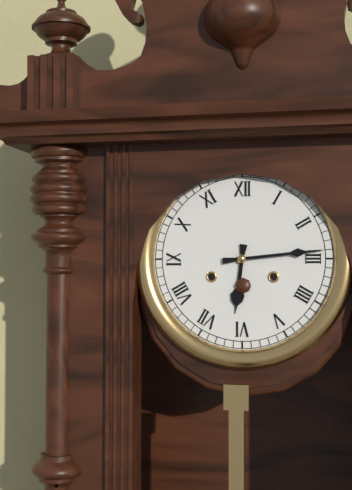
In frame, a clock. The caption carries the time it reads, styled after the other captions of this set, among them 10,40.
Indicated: 6,14
